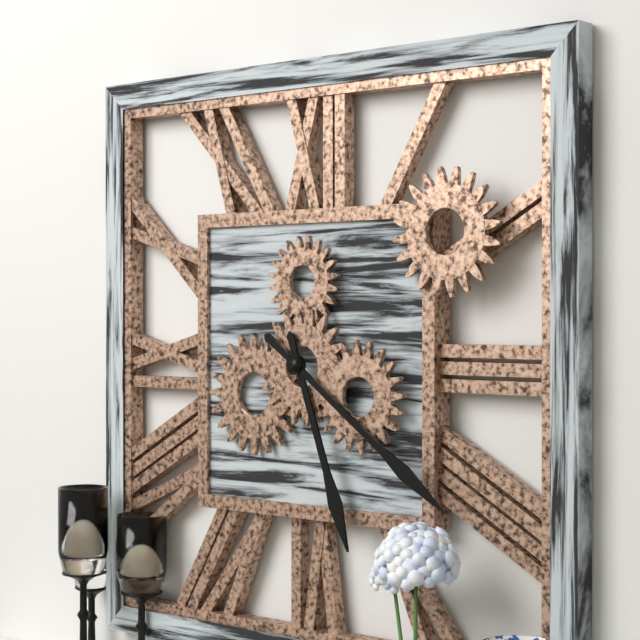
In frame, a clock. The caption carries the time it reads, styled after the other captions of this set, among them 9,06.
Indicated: 5,21
